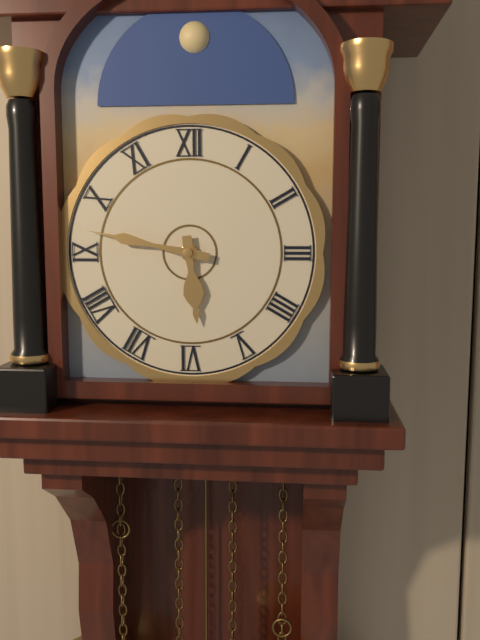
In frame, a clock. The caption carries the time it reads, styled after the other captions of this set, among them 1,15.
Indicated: 5,47
